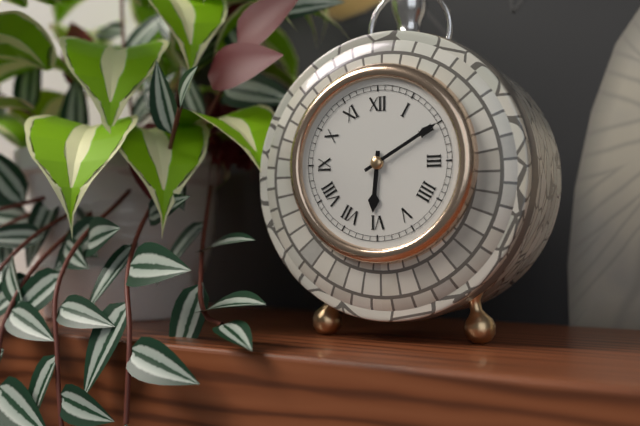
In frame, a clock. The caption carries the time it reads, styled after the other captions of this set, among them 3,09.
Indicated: 6,10
